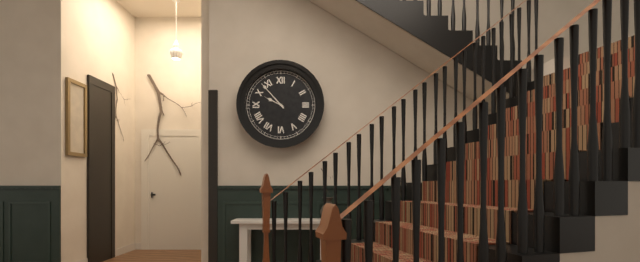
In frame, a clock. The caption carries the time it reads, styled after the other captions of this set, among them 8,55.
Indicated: 9,53
